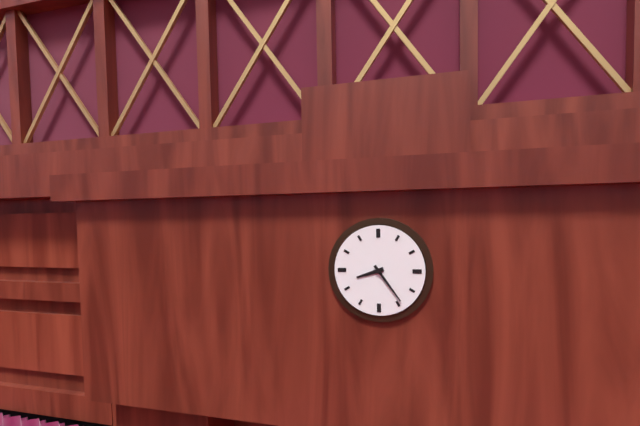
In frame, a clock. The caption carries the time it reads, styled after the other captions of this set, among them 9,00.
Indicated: 8,24
